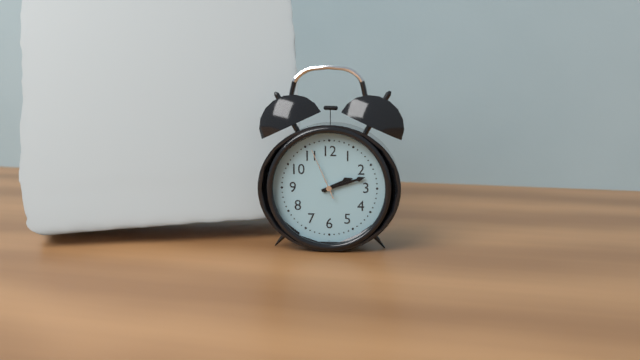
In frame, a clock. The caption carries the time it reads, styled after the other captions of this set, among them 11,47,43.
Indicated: 2,12,56
